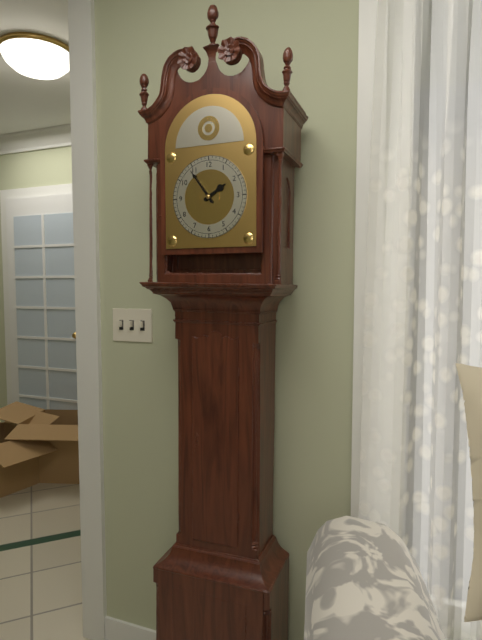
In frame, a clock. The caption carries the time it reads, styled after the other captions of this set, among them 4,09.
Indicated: 1,54
